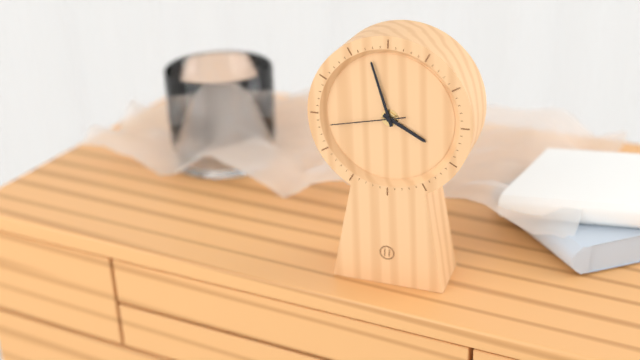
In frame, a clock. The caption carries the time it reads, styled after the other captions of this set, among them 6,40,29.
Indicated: 3,57,43
